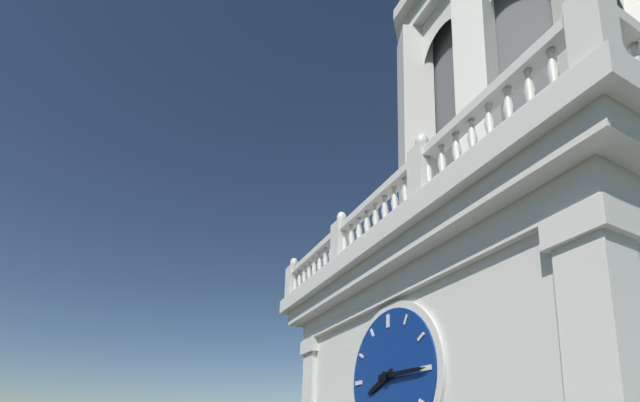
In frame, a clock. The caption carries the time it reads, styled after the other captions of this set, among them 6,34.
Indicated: 8,15
